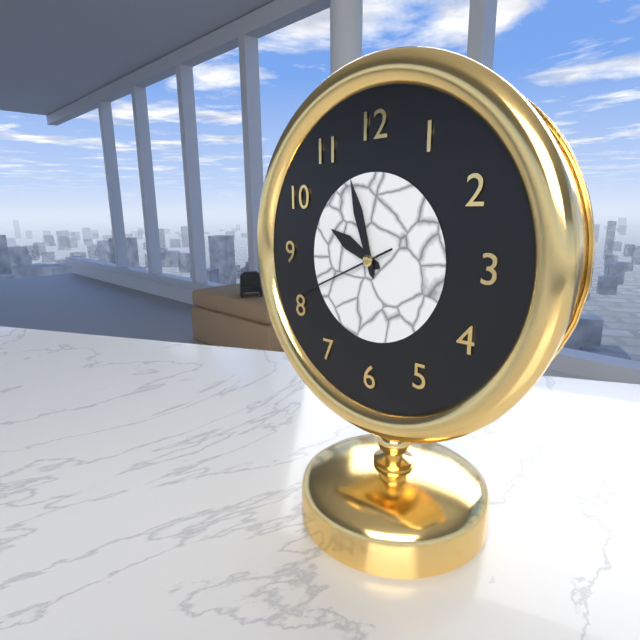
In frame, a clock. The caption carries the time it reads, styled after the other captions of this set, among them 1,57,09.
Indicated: 9,57,41
